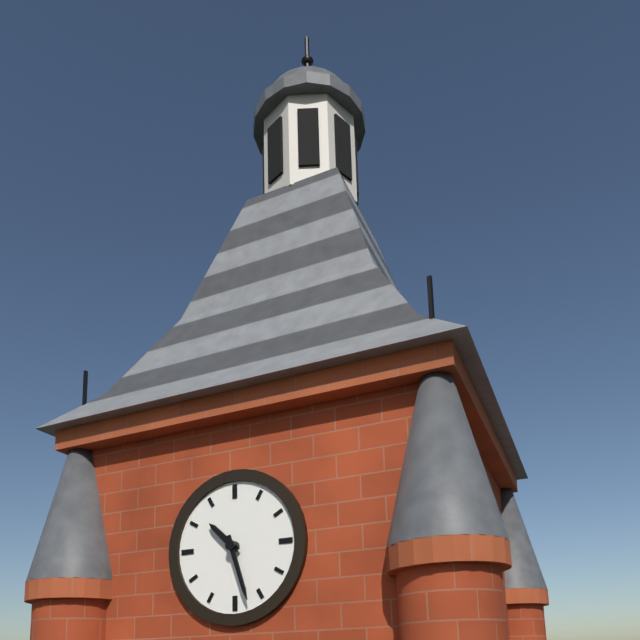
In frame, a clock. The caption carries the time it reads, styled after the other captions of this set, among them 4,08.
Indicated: 10,27
